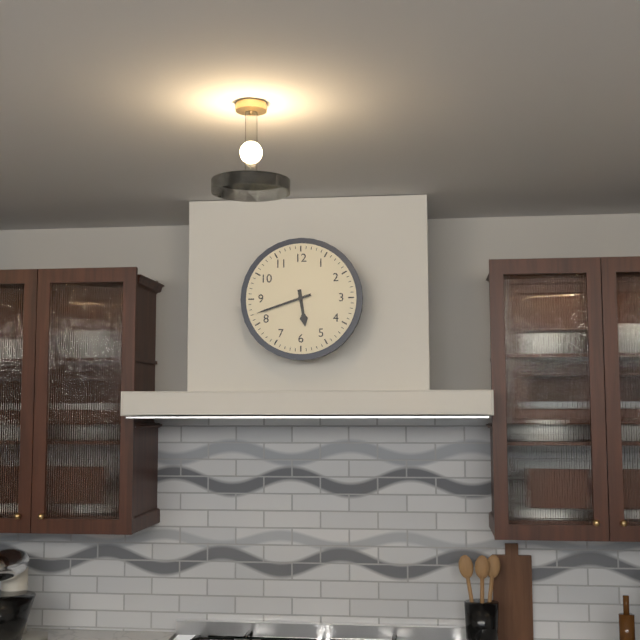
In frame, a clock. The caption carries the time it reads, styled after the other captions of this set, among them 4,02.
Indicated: 5,42
